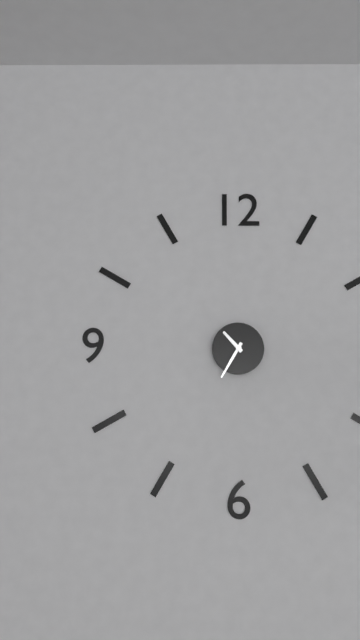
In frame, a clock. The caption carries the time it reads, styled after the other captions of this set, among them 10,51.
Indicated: 10,35
